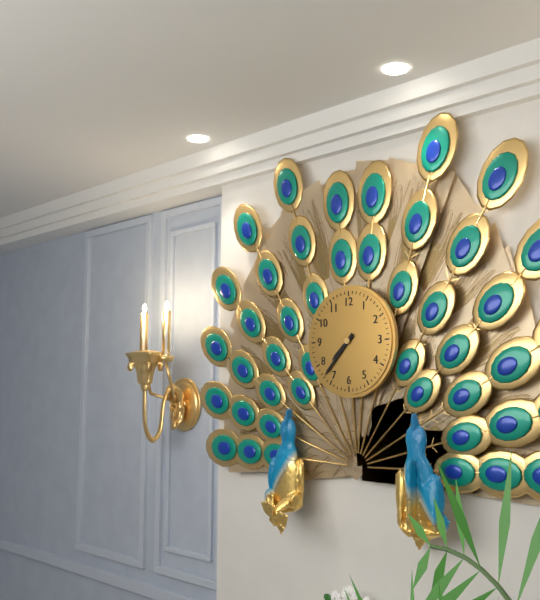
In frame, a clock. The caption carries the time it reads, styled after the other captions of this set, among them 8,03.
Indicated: 7,37
